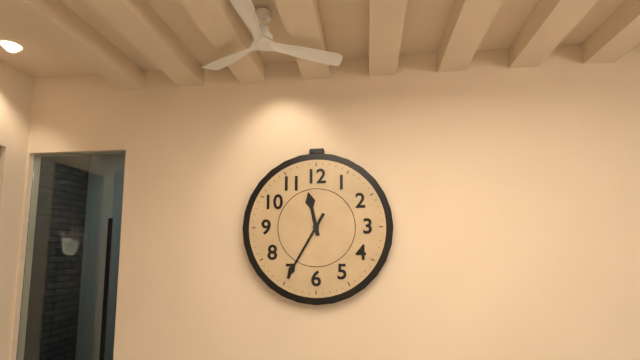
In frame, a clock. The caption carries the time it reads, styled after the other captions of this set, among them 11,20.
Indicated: 11,35
